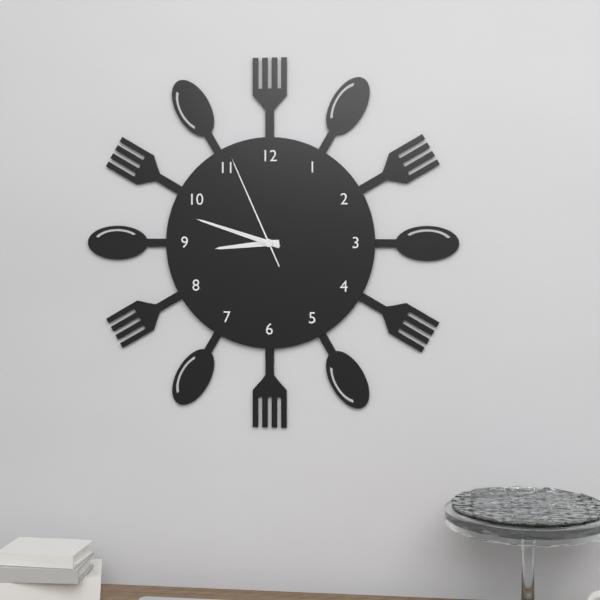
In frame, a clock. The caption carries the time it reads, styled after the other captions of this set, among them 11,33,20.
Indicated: 8,48,56
